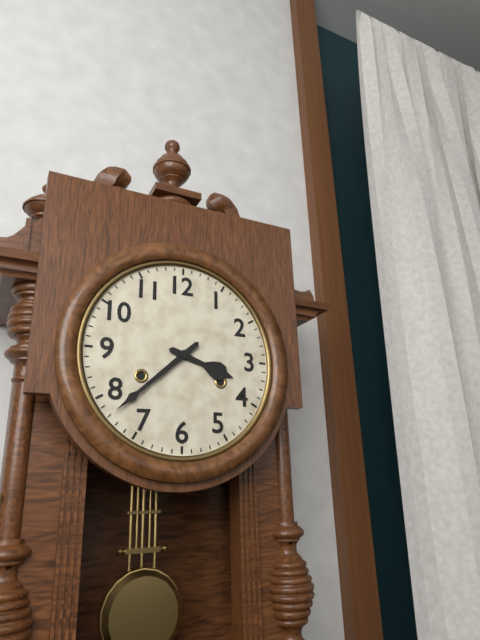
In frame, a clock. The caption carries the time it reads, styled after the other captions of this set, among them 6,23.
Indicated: 3,38
